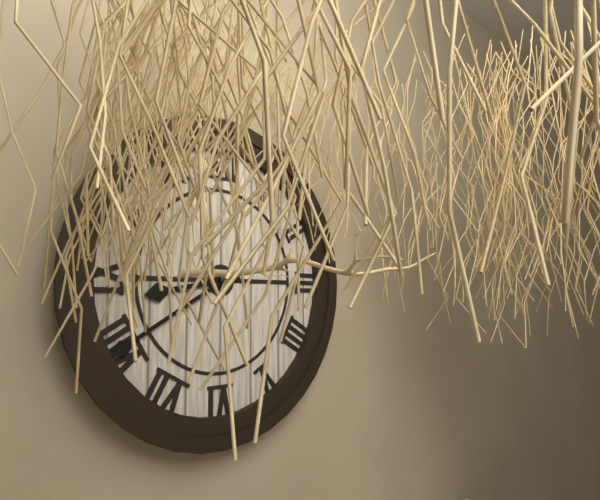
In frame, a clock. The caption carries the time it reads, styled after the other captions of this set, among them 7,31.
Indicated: 8,40
